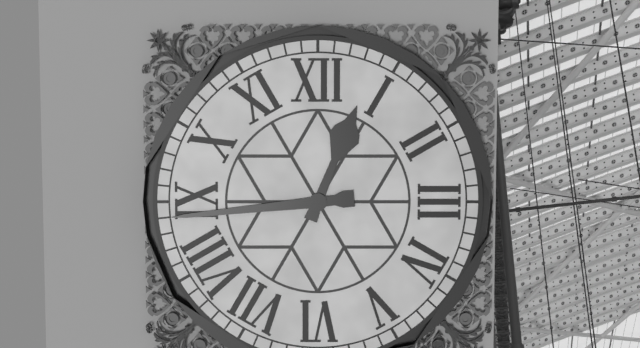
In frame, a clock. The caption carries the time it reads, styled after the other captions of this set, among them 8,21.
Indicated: 12,44
